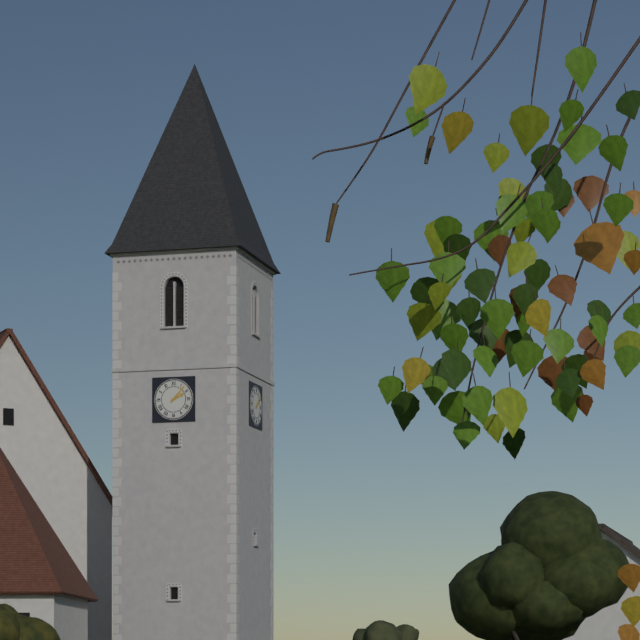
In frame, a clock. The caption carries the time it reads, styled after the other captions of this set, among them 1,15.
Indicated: 2,07
